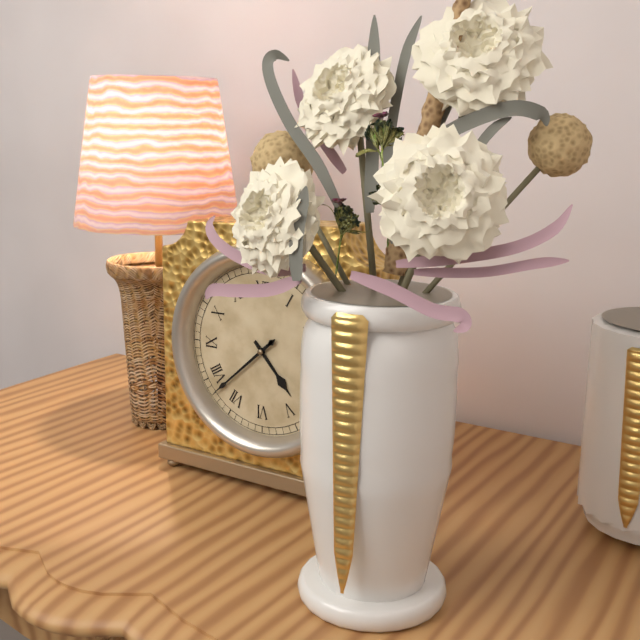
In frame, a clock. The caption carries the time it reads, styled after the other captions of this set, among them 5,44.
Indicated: 4,38
